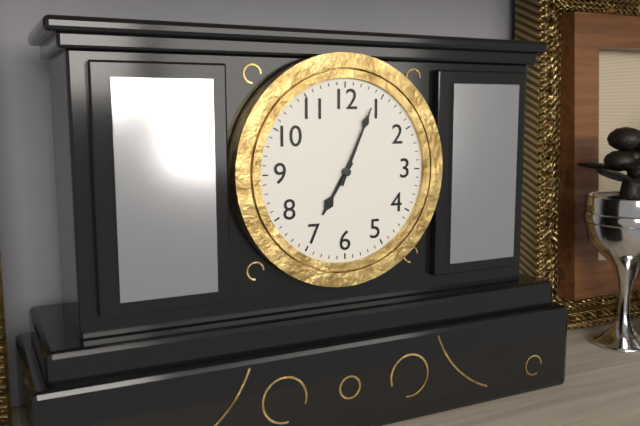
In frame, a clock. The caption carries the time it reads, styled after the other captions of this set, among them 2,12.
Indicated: 7,04
